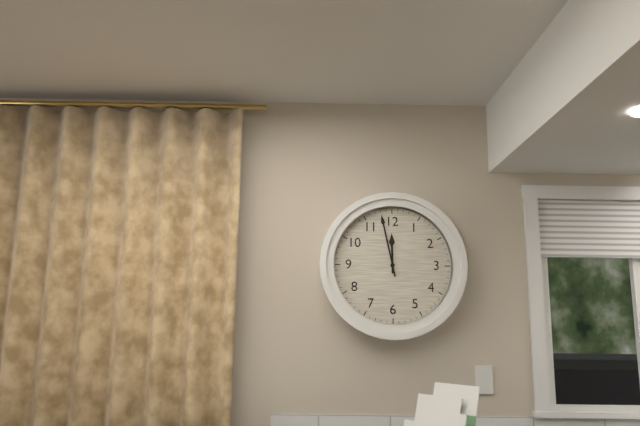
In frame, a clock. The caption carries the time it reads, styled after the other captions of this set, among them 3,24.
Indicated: 11,58
